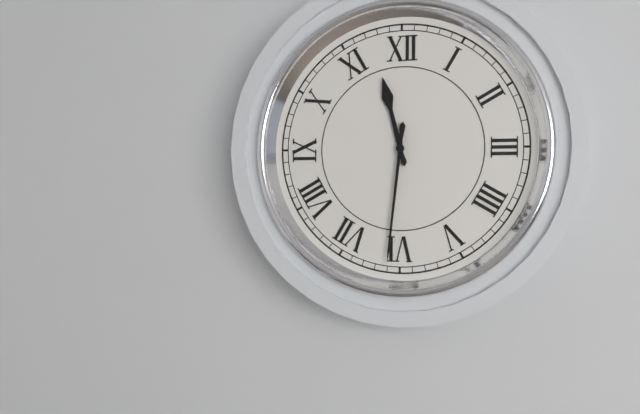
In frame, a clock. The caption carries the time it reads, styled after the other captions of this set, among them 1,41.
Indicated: 11,31
